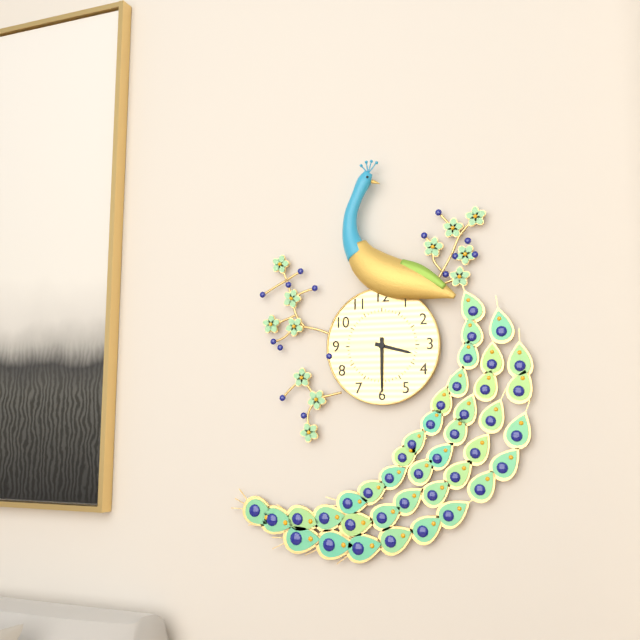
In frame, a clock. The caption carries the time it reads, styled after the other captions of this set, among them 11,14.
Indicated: 3,30
